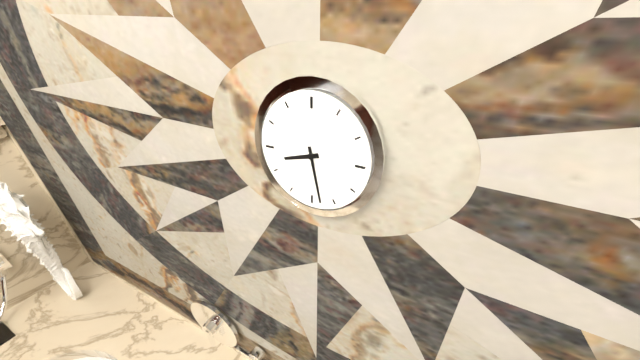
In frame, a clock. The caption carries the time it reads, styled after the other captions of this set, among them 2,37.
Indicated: 8,28
